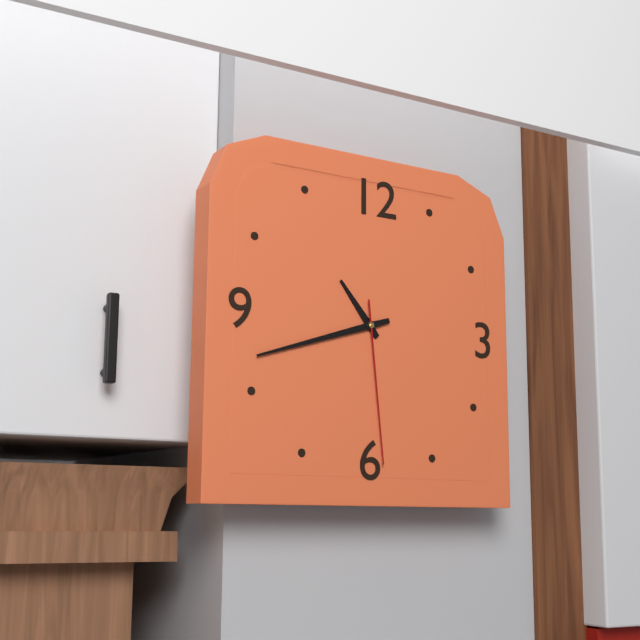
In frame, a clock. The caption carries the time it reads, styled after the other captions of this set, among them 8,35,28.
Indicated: 10,42,29
